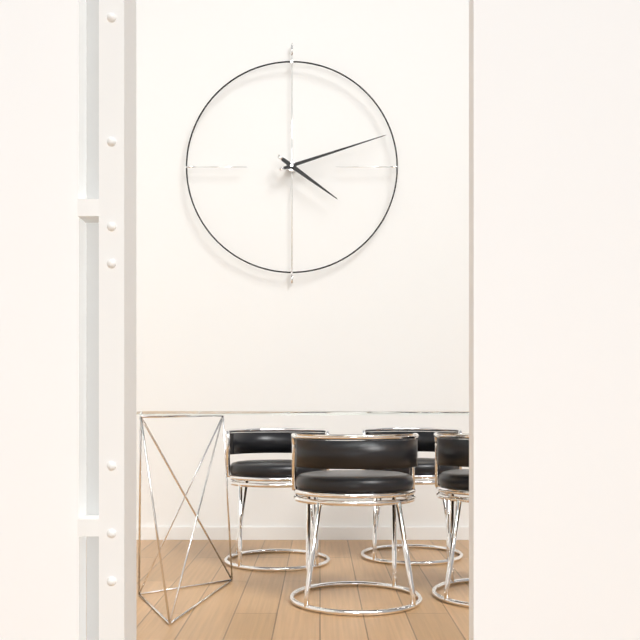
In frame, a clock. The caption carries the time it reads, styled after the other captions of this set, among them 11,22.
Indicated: 4,12
